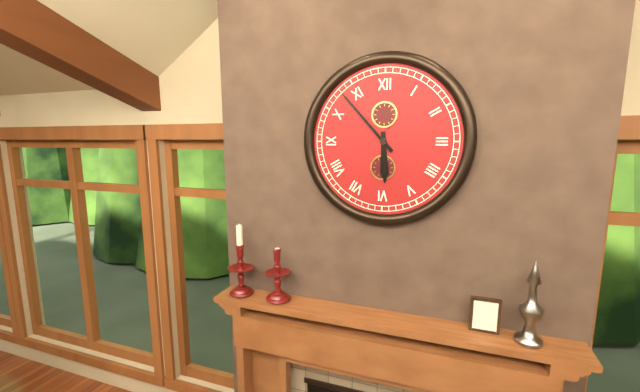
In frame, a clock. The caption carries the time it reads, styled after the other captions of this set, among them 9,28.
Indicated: 5,53
